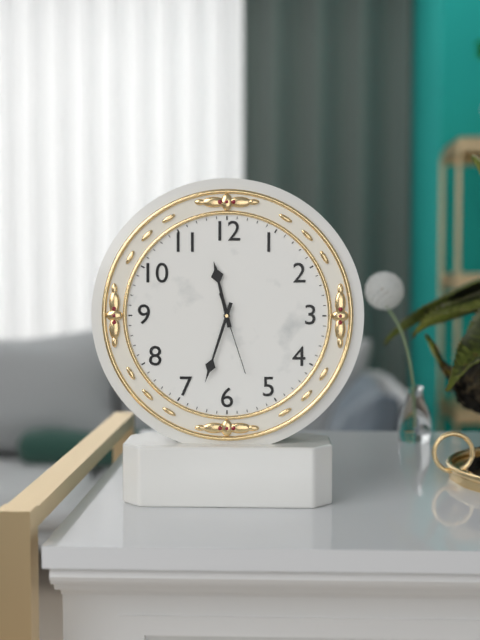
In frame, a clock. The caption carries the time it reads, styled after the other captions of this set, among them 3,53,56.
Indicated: 11,33,27
